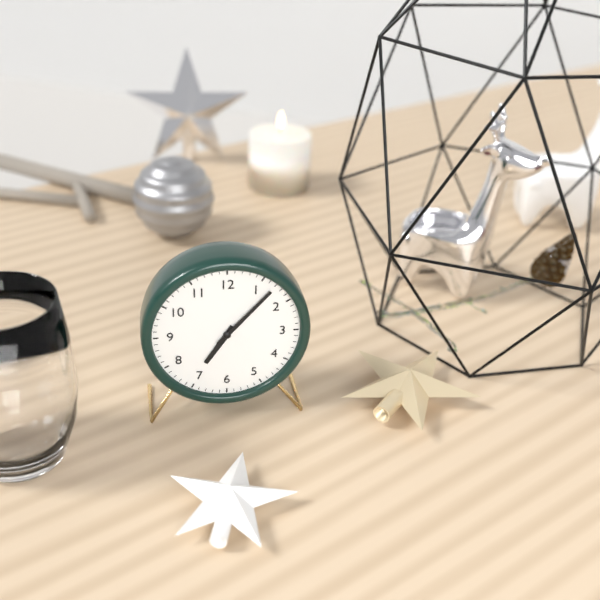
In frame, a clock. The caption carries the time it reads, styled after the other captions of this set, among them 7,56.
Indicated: 7,07
